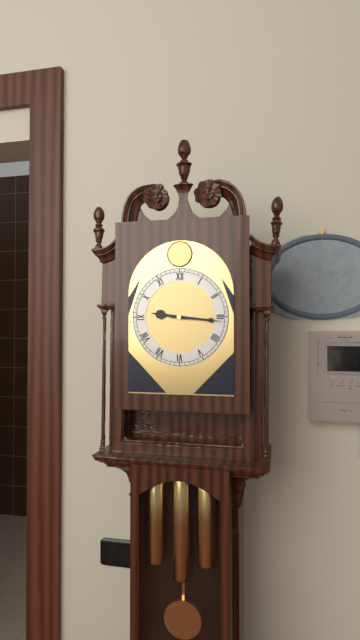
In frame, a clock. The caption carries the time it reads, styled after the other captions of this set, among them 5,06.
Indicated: 9,16
